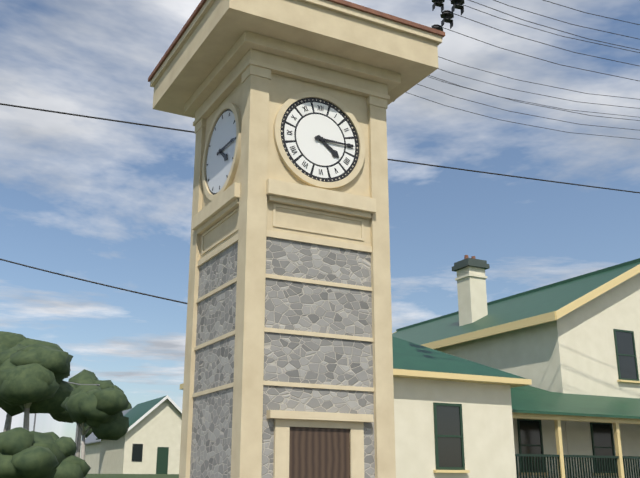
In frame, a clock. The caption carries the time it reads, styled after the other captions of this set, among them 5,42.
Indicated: 4,15
